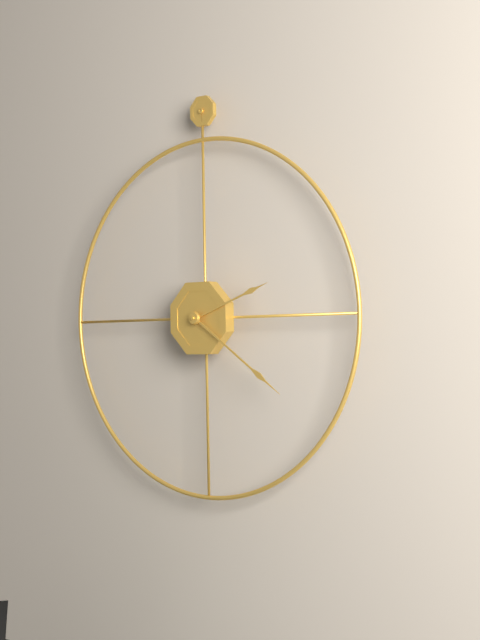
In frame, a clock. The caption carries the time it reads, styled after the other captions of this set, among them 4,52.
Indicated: 2,21
